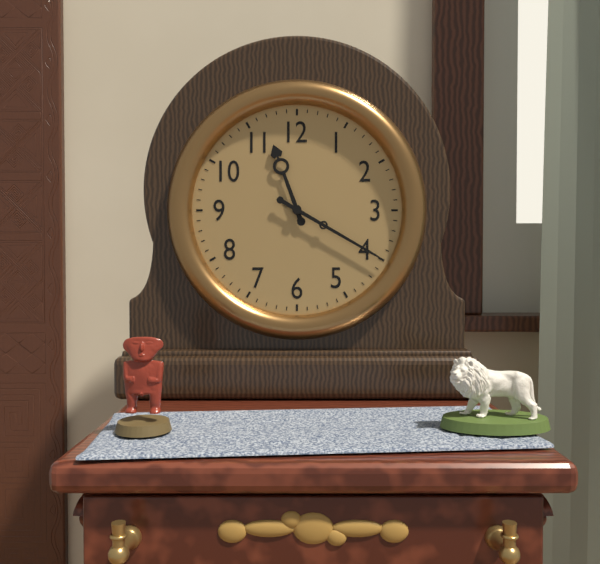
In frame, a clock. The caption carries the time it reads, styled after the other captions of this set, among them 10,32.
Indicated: 11,20
